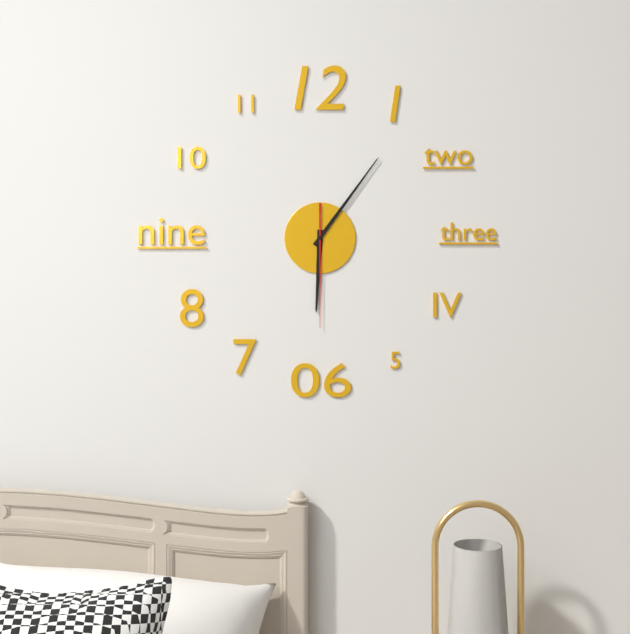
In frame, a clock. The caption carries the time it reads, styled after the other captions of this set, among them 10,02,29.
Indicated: 6,06,30
